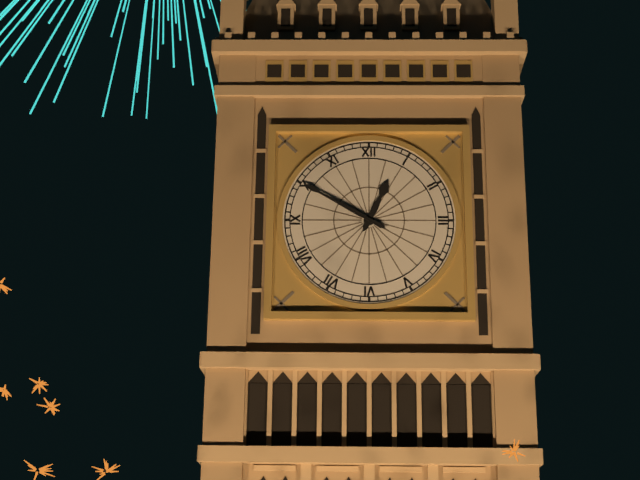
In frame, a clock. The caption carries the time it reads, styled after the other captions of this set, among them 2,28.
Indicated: 12,50
